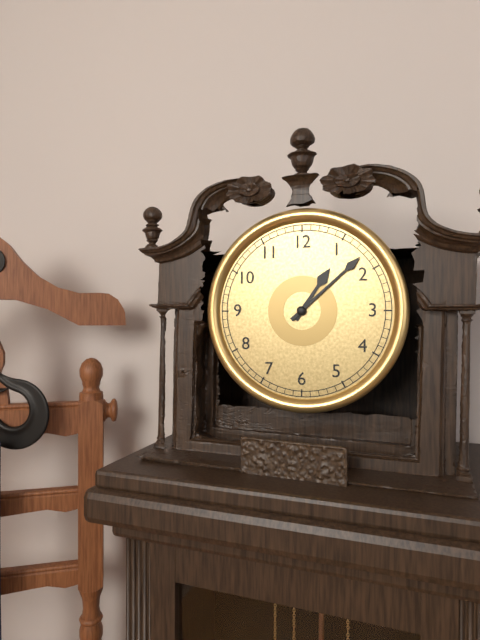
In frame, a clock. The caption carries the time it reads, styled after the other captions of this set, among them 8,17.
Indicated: 1,08
